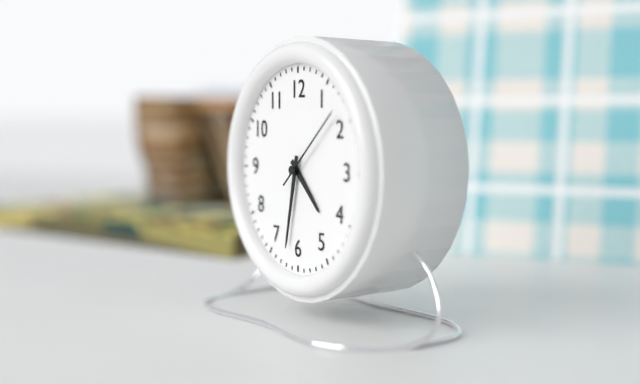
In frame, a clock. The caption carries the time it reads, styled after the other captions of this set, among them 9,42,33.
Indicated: 4,32,08
